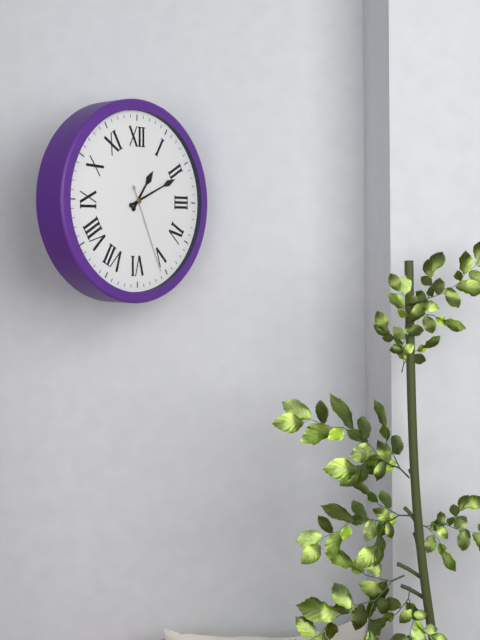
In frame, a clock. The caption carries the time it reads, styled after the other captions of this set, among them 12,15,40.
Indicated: 1,11,26
